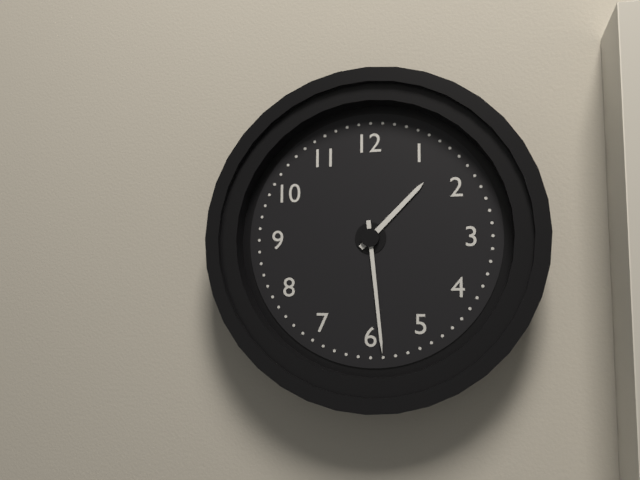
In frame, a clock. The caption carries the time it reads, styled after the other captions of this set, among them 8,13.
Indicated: 1,29
